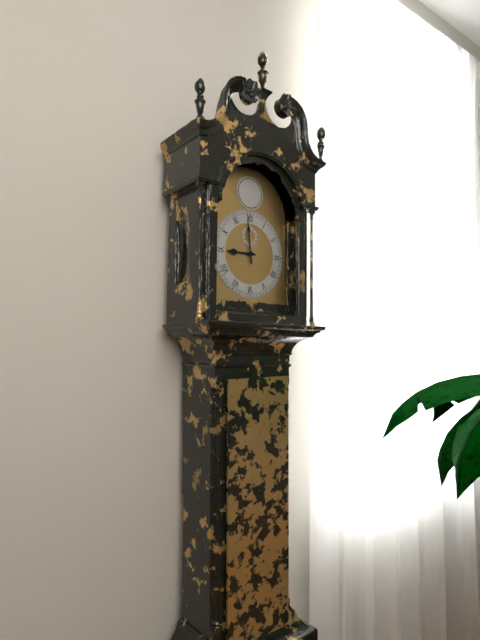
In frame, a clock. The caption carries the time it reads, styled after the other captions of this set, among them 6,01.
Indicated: 8,59
